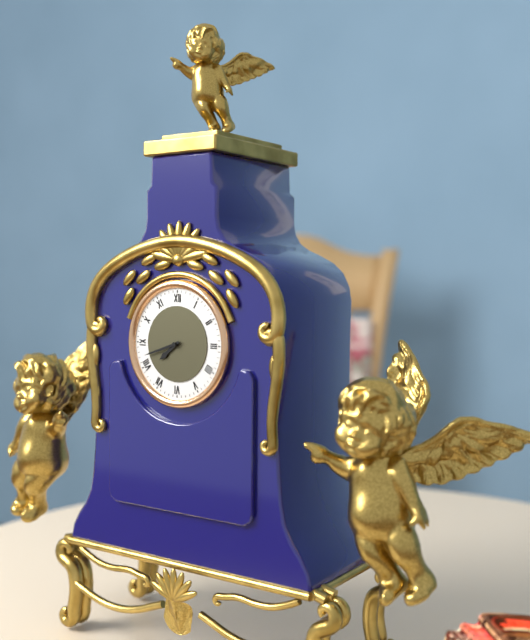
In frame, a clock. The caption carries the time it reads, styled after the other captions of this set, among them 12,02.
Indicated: 7,42
